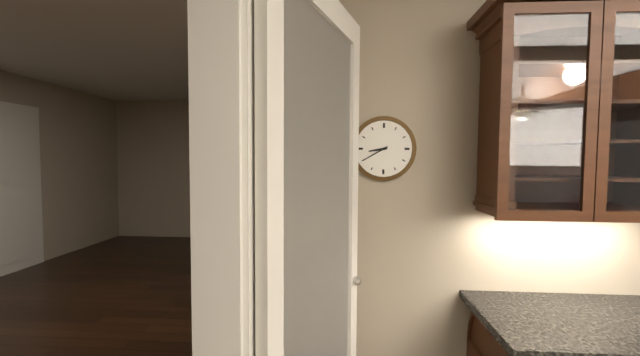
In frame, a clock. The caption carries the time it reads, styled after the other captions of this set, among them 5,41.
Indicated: 8,40
